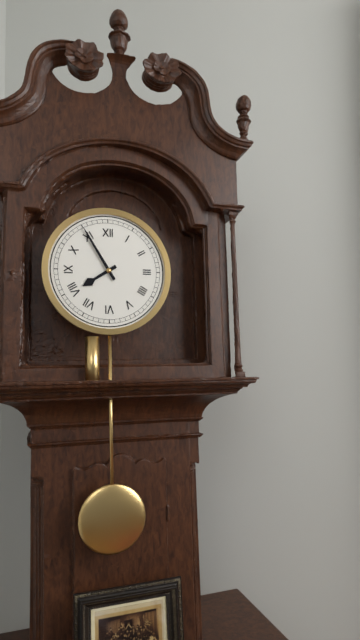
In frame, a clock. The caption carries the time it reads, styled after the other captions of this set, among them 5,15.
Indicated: 7,55
